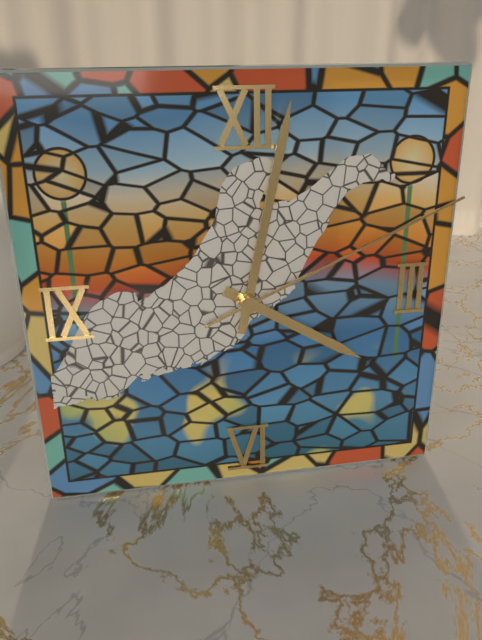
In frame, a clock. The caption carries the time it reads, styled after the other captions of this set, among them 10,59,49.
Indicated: 4,02,11
